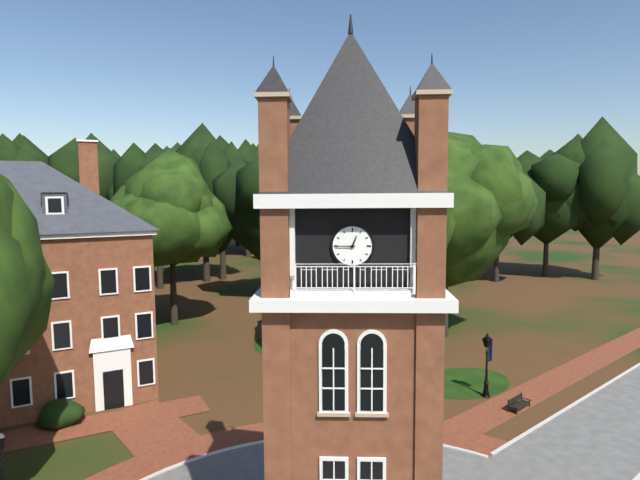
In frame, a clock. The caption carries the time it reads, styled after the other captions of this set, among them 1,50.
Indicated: 12,45
